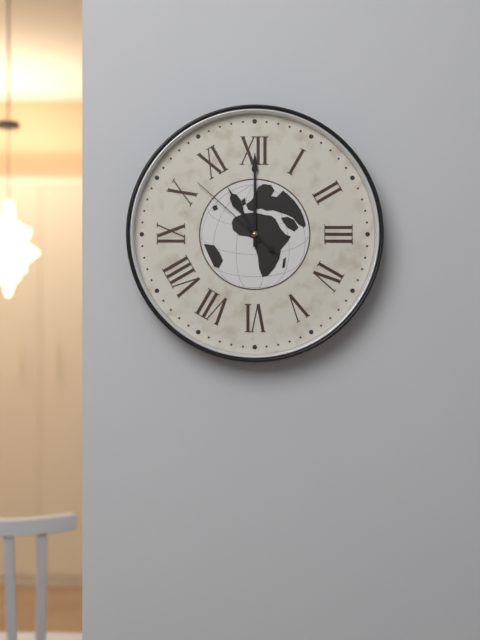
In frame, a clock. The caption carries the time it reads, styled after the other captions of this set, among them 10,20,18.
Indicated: 11,00,52
